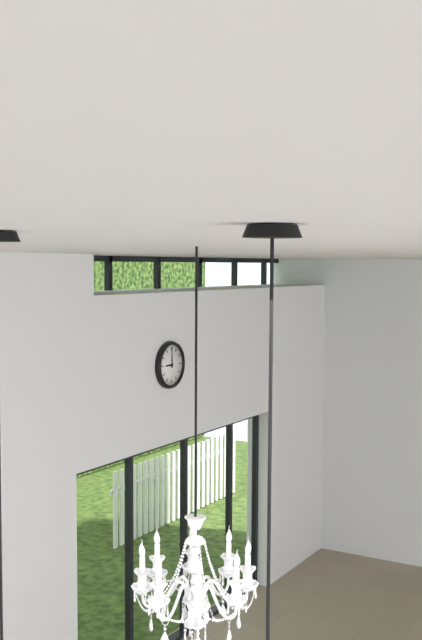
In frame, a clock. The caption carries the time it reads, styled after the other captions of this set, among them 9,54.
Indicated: 9,00
